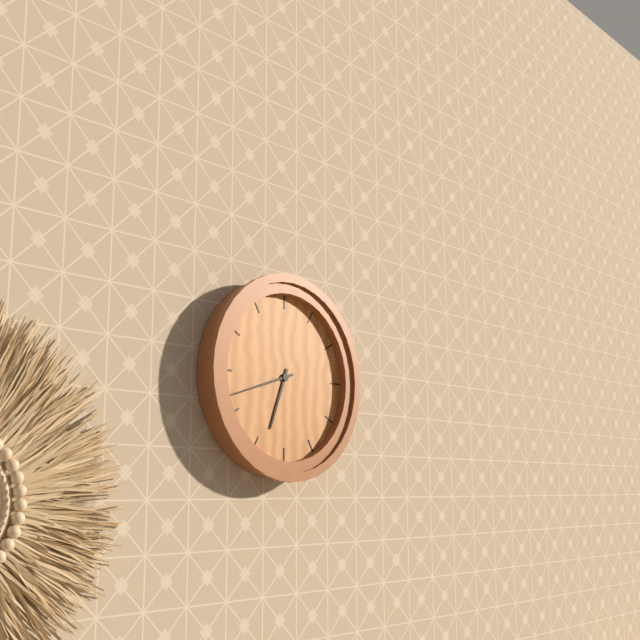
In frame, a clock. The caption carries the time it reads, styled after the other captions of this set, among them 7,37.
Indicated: 6,42
